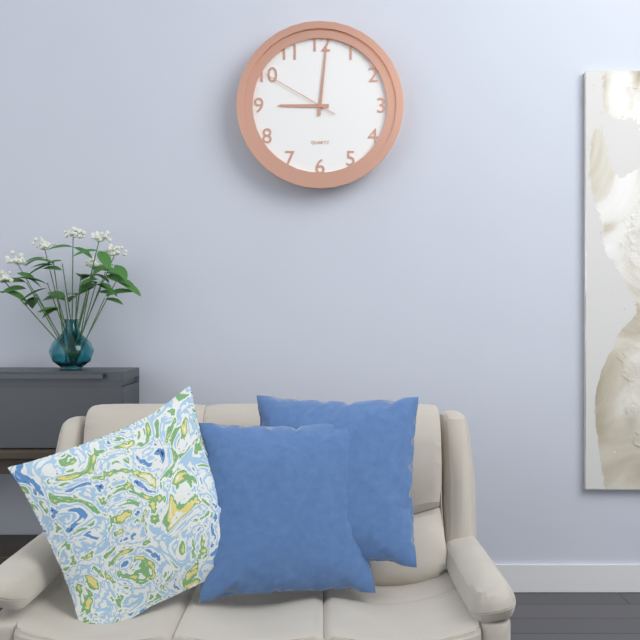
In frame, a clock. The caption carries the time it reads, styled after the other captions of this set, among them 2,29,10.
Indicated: 9,01,50
